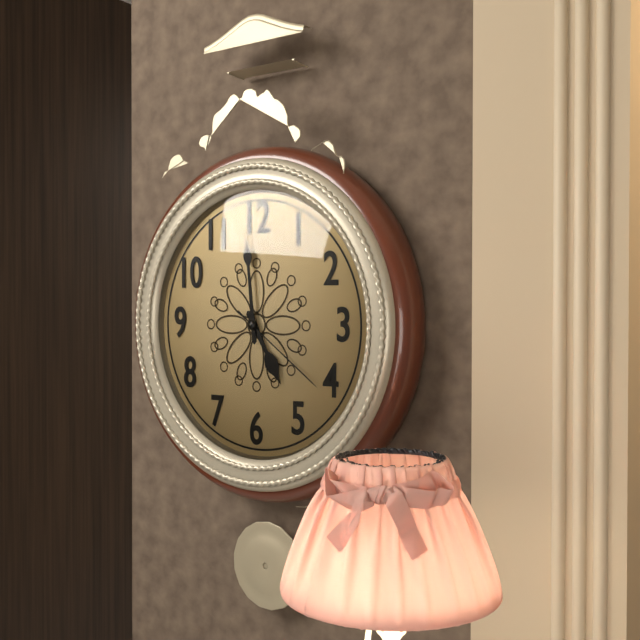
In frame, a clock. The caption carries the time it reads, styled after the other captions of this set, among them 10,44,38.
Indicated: 4,59,21
